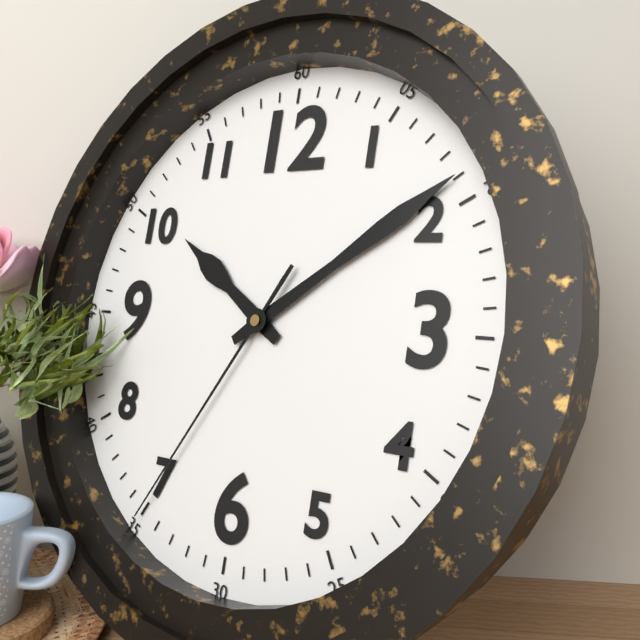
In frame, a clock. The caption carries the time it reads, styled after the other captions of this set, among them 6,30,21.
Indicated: 10,09,35
